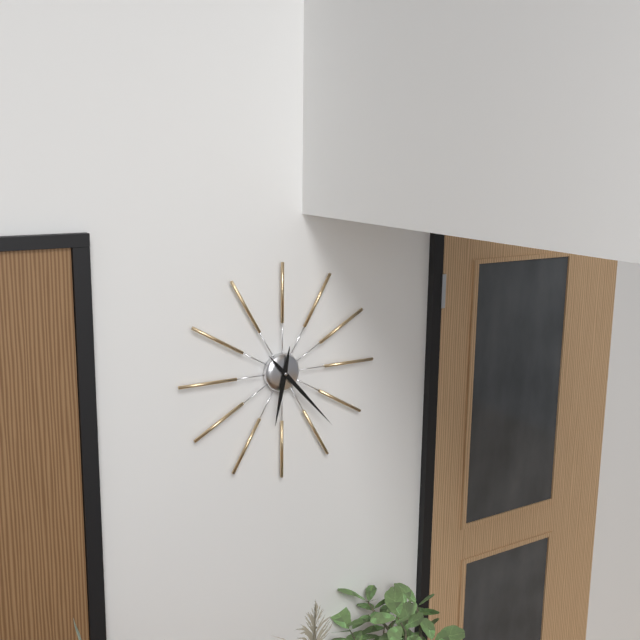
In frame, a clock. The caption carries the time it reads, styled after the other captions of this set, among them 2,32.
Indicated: 6,23
